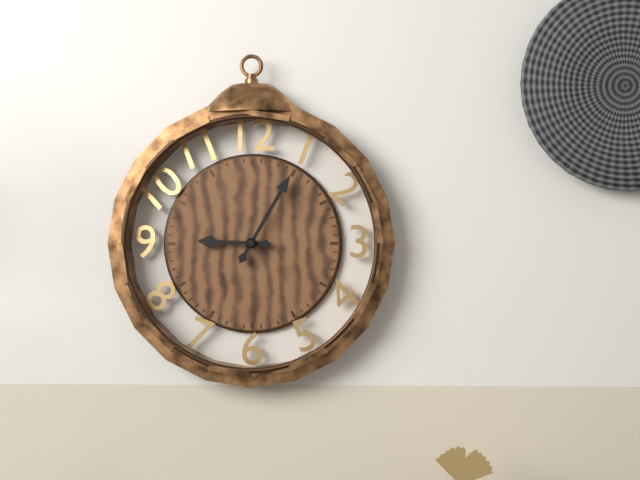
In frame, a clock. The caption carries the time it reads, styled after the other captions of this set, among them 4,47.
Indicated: 9,05
